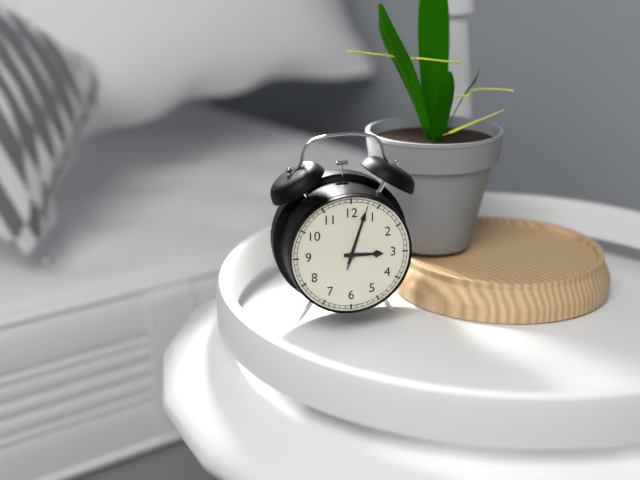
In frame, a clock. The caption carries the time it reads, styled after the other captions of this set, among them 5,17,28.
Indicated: 3,03,03
